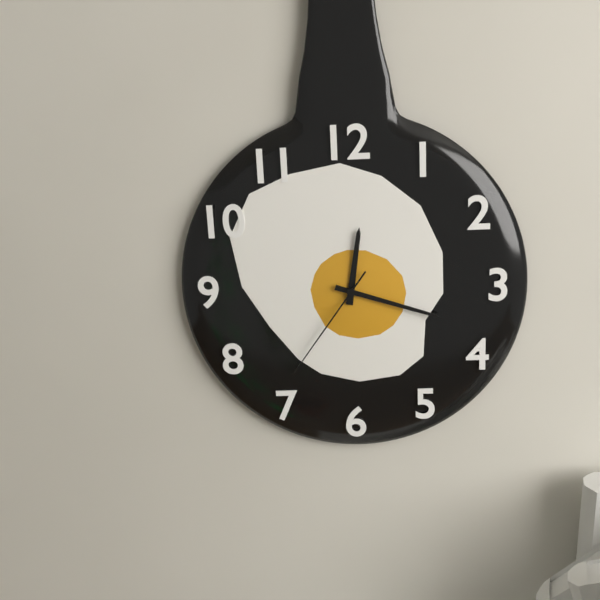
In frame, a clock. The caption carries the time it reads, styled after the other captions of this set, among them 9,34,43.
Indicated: 12,18,36
